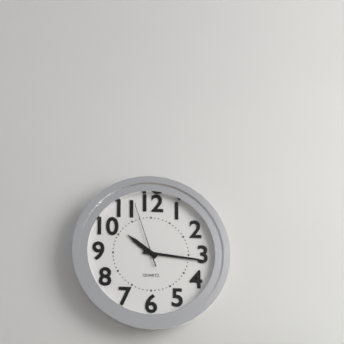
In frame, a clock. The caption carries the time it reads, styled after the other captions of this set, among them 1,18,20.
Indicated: 10,16,57
